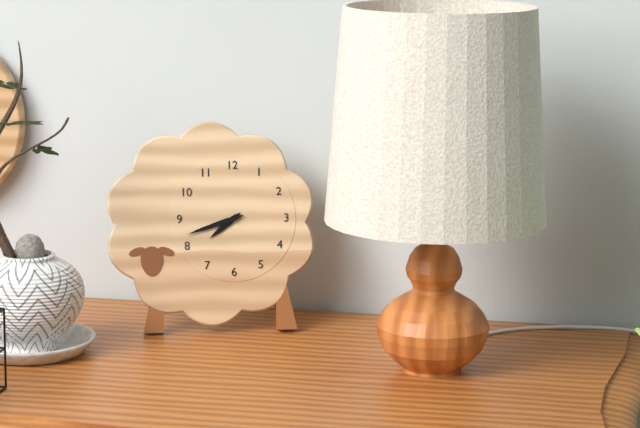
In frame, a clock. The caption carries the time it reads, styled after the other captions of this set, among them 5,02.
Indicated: 7,42
